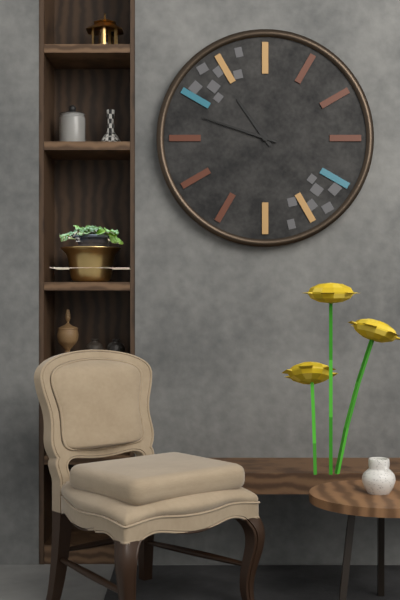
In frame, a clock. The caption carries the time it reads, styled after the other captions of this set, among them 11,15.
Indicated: 10,48
